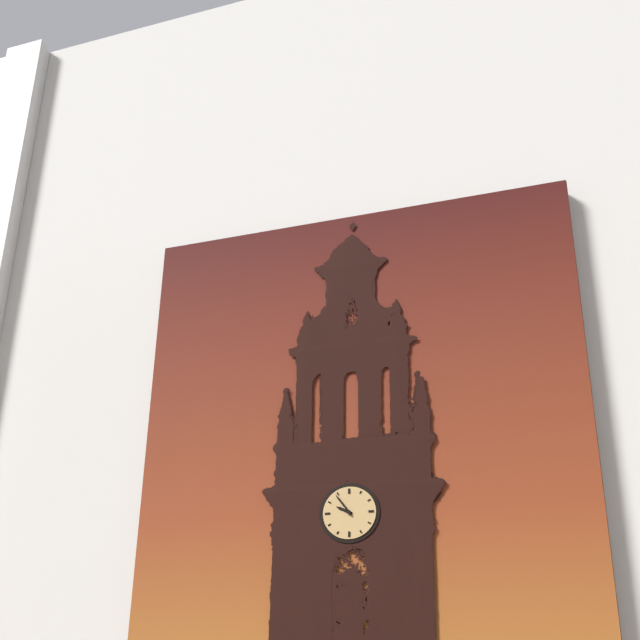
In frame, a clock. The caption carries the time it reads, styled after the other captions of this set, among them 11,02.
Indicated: 9,54
